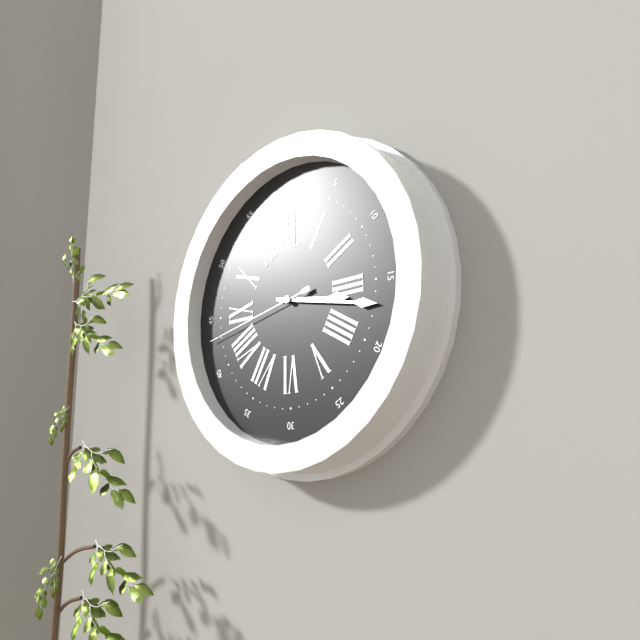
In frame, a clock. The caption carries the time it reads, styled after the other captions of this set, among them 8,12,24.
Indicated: 3,17,43
